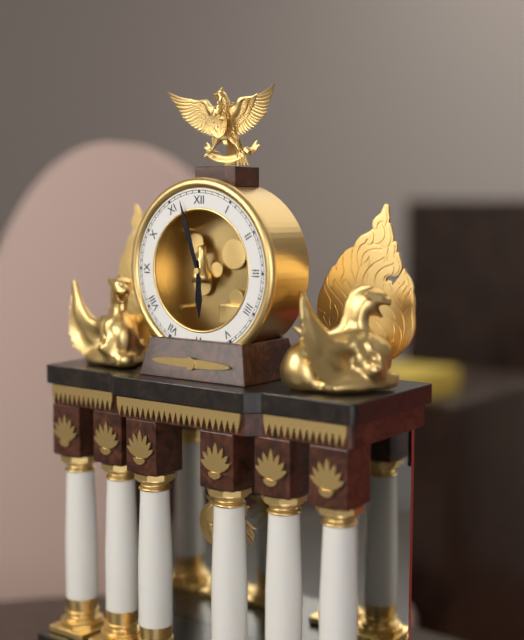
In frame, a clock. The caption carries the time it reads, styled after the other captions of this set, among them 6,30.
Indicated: 5,57
